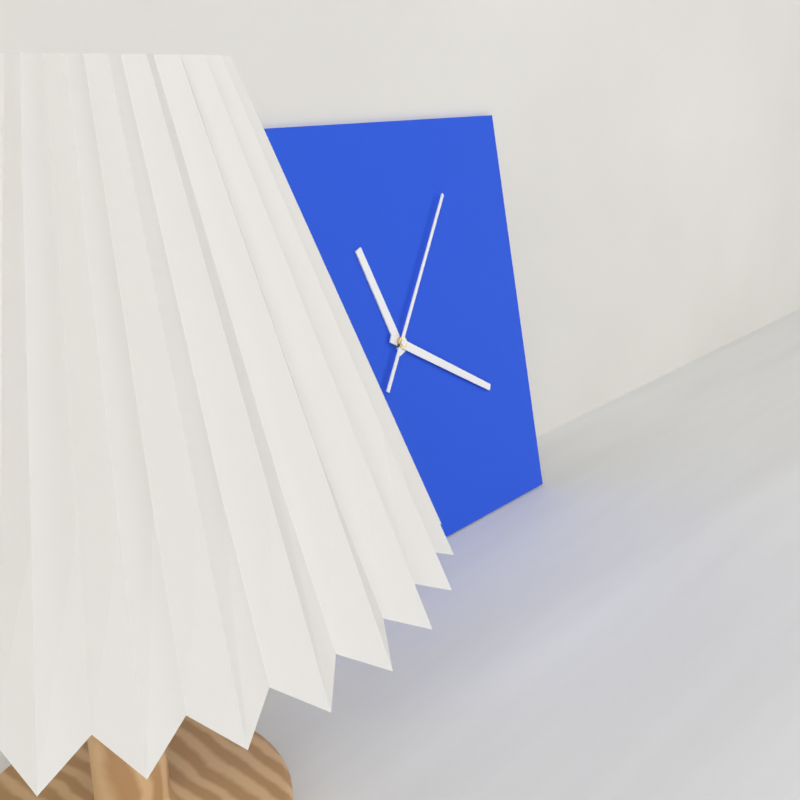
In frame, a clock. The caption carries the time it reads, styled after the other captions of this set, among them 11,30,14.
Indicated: 11,20,06
